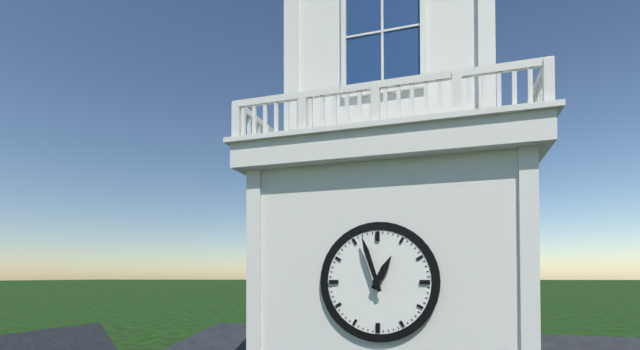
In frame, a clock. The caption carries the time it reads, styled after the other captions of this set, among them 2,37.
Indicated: 12,57
